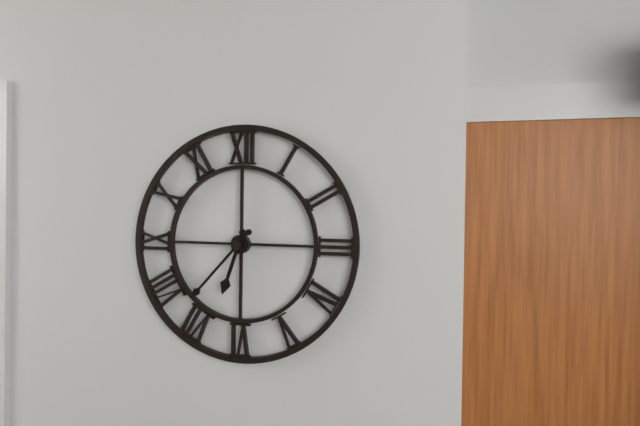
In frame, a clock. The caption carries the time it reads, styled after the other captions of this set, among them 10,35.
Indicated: 6,37
